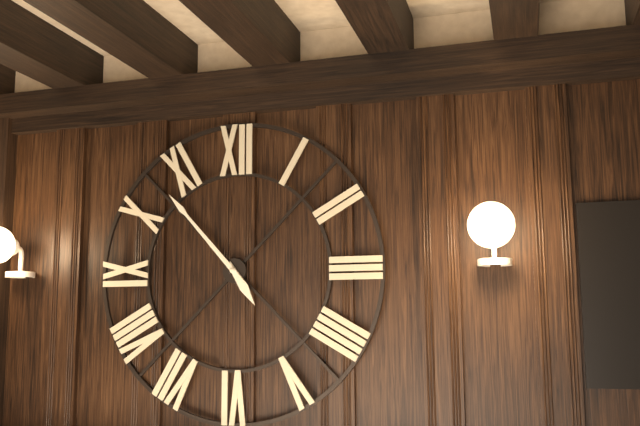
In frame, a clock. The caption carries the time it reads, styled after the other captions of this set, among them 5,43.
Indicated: 4,53
